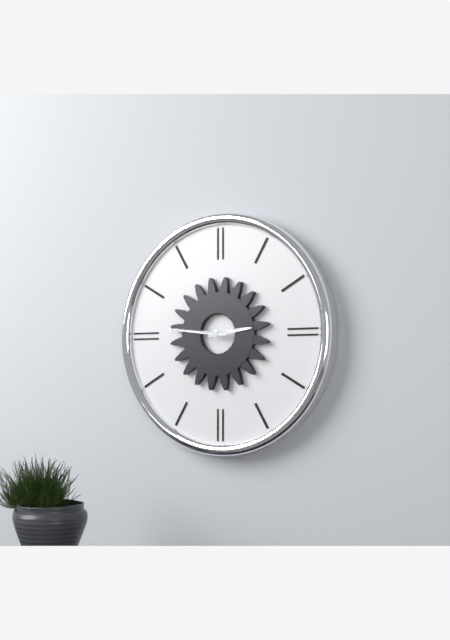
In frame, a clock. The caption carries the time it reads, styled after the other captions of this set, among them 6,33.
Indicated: 2,46
